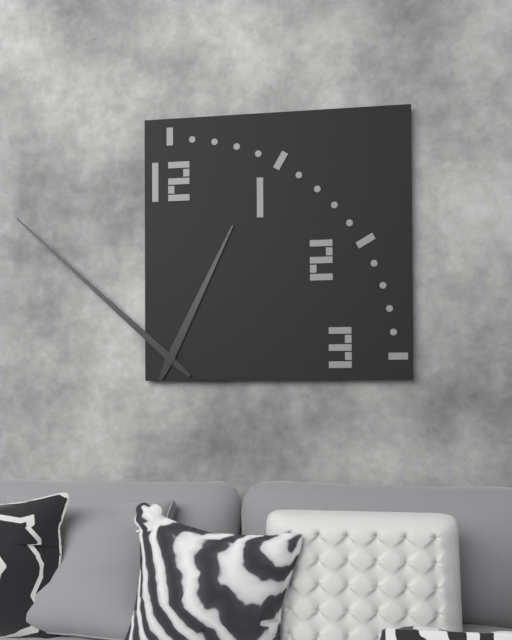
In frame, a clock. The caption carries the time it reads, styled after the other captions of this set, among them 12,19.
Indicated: 12,52
